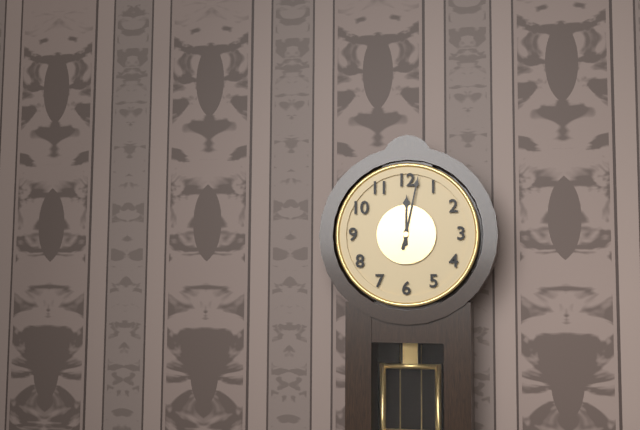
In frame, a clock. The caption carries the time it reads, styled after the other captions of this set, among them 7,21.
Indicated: 12,02
